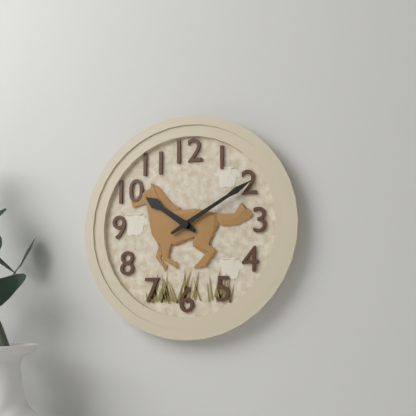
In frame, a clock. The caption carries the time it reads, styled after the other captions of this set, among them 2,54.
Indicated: 10,10
